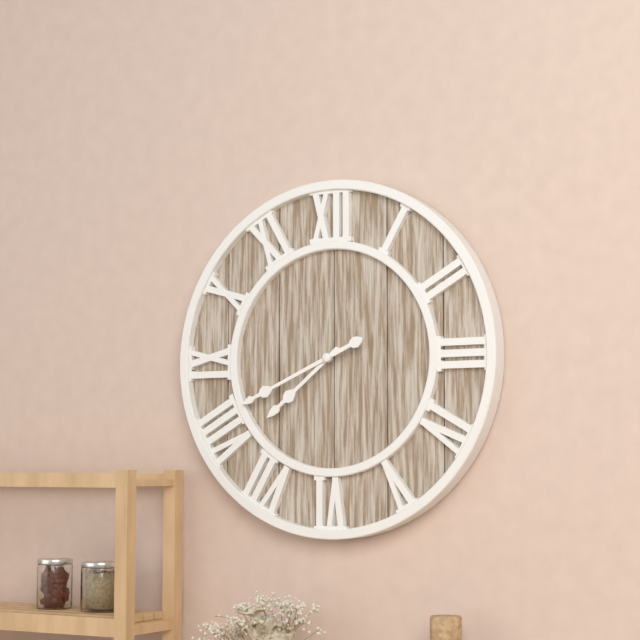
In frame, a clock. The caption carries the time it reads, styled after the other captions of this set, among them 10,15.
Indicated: 7,41
